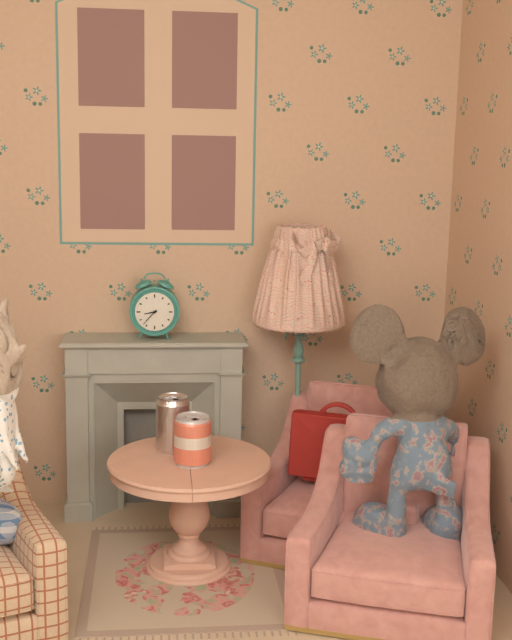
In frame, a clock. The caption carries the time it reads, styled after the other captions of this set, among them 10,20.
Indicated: 8,37
